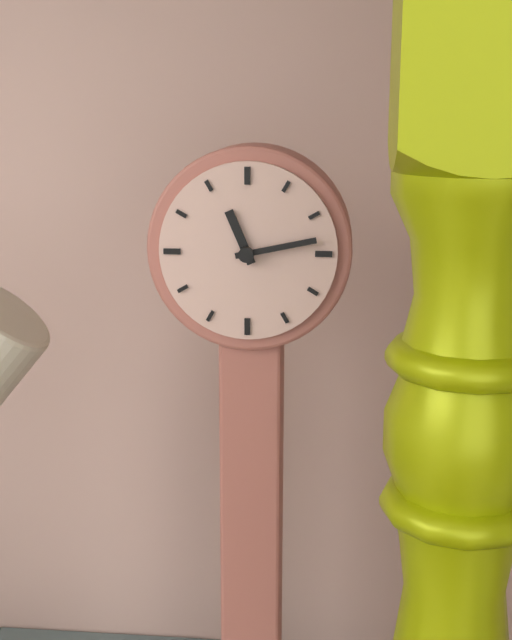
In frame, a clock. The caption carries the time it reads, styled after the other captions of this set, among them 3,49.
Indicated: 11,13
